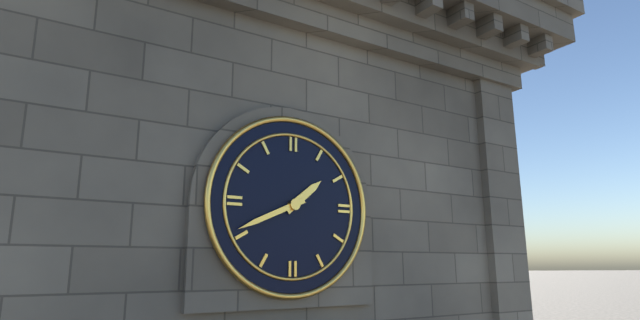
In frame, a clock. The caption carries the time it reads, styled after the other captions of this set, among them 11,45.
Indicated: 1,41
